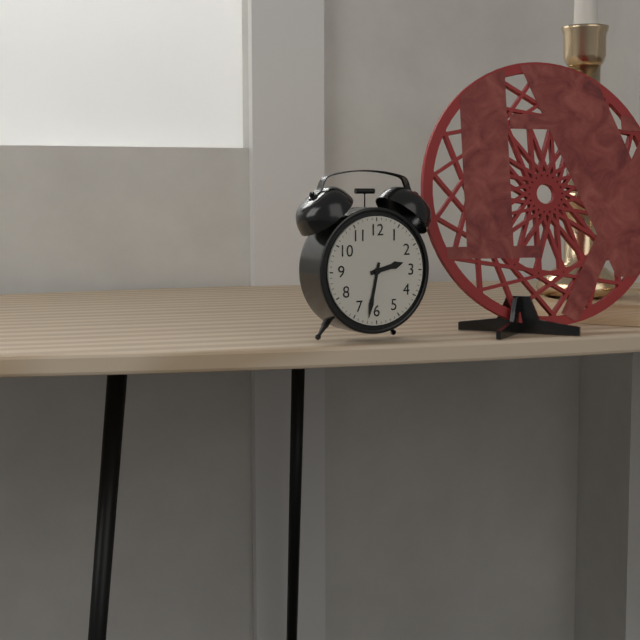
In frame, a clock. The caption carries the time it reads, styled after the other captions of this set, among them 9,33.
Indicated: 2,32
